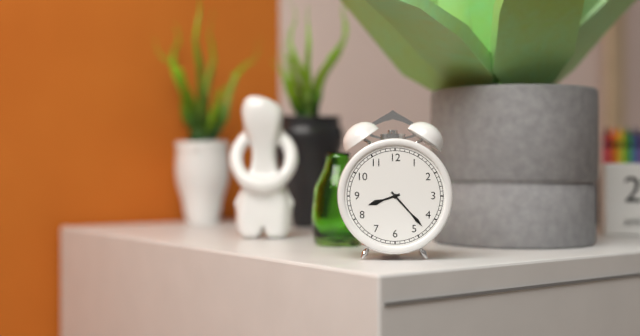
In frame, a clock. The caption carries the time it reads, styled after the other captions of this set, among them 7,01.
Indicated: 8,23
